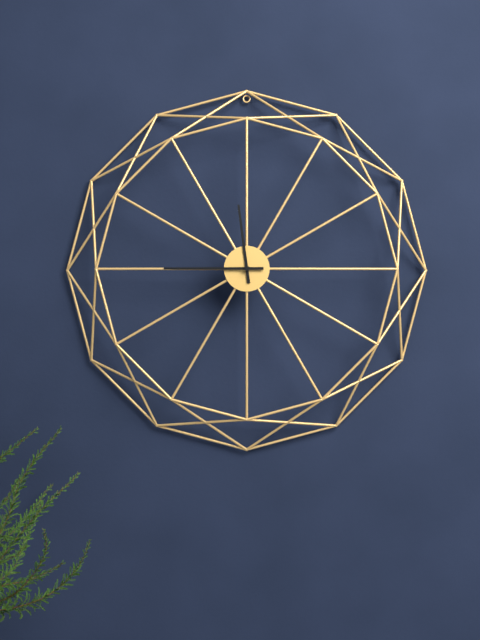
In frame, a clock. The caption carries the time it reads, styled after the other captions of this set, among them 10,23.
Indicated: 11,45
